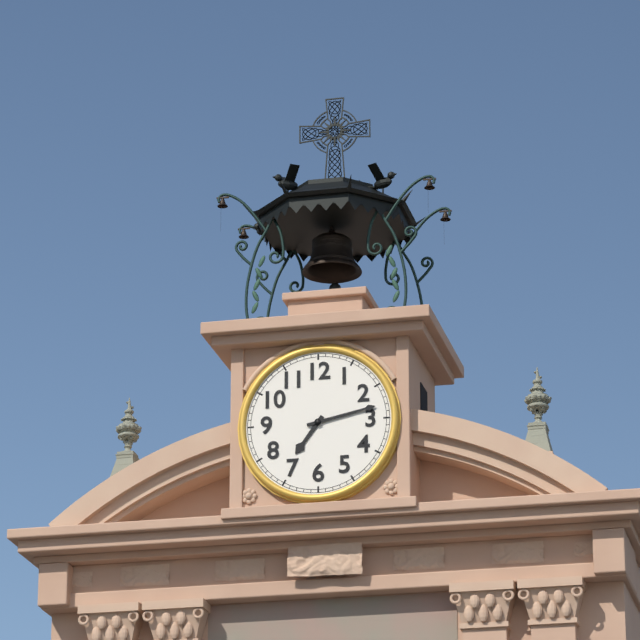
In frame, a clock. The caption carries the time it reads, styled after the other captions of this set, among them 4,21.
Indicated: 7,13
